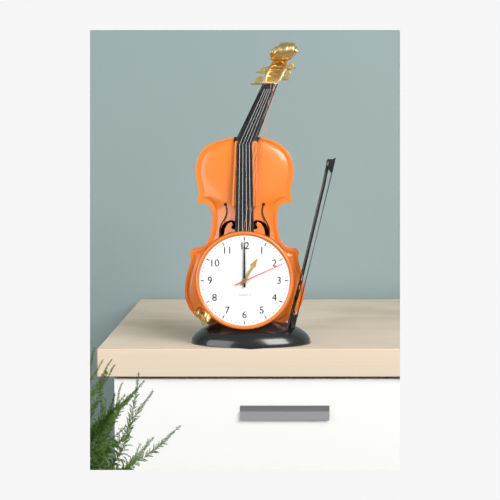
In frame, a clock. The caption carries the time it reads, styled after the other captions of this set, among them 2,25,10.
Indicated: 1,00,11
